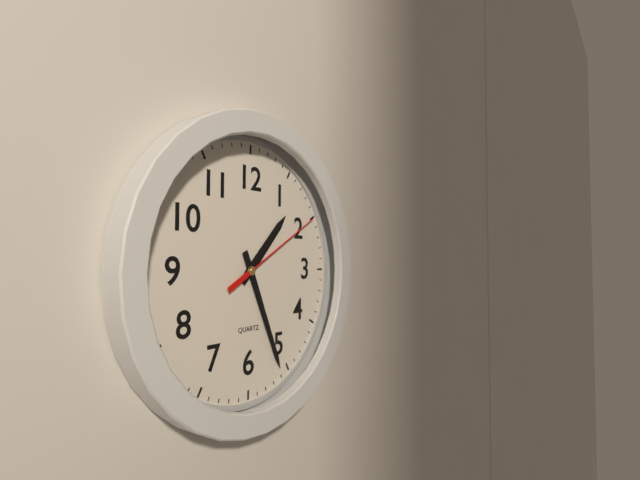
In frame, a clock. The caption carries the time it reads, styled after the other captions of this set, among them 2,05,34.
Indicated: 1,26,10
